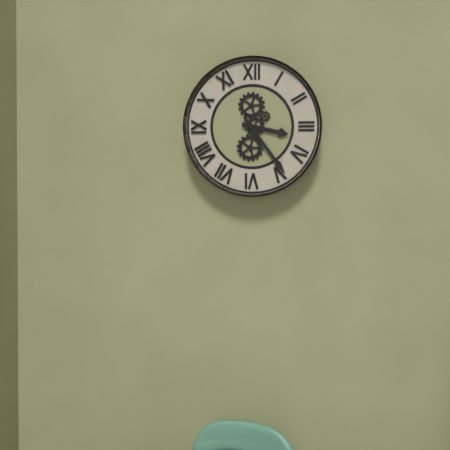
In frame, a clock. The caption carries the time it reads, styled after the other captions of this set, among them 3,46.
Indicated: 3,24
